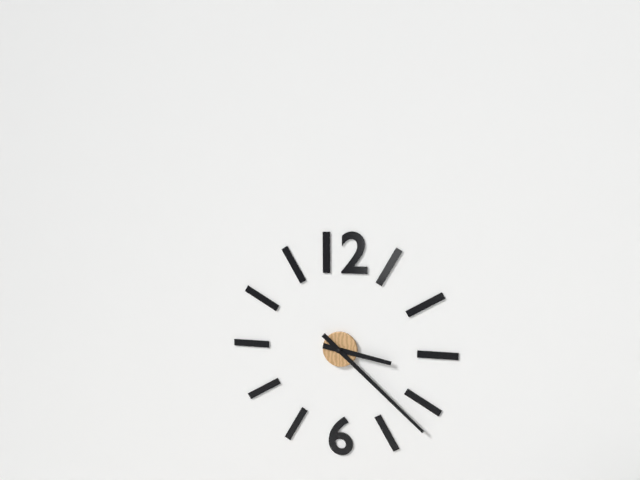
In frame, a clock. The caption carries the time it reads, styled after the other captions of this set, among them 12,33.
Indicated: 3,22
